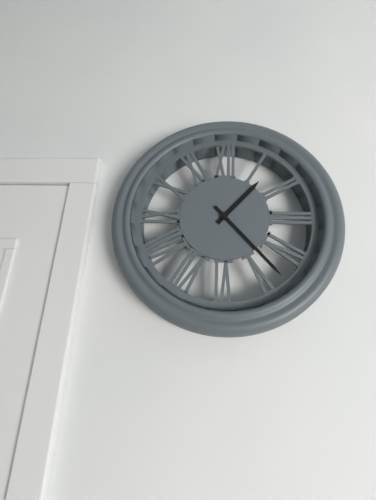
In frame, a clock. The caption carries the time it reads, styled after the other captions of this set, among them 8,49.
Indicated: 1,23
